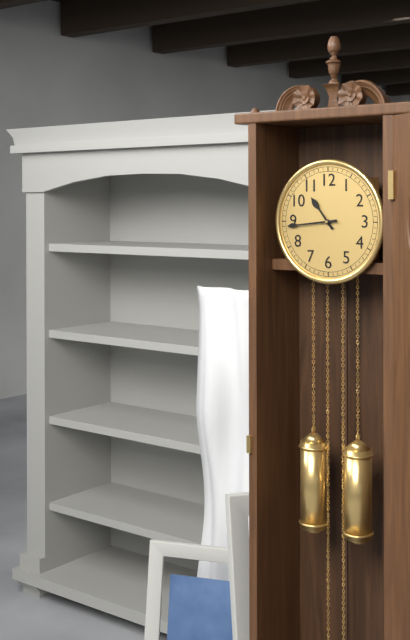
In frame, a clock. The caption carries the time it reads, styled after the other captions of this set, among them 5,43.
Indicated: 10,44
